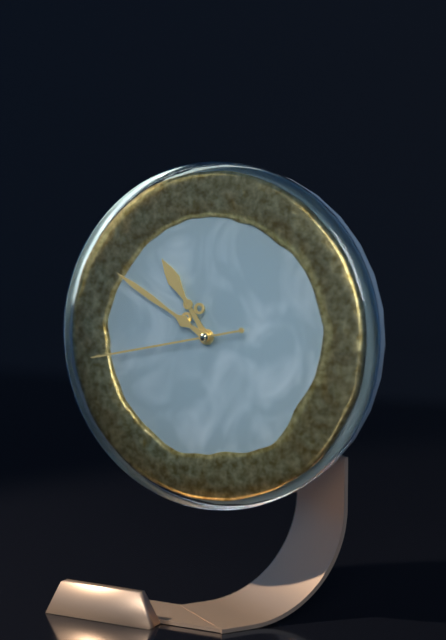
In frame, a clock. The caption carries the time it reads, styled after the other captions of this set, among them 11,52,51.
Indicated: 10,50,43
